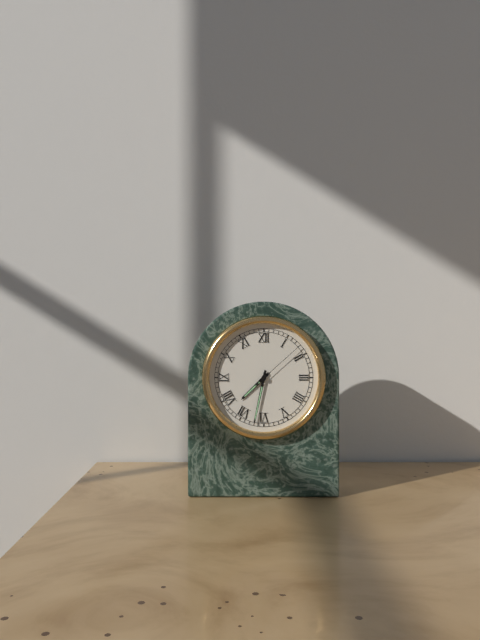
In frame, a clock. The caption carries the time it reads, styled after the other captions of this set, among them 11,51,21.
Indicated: 7,32,08
